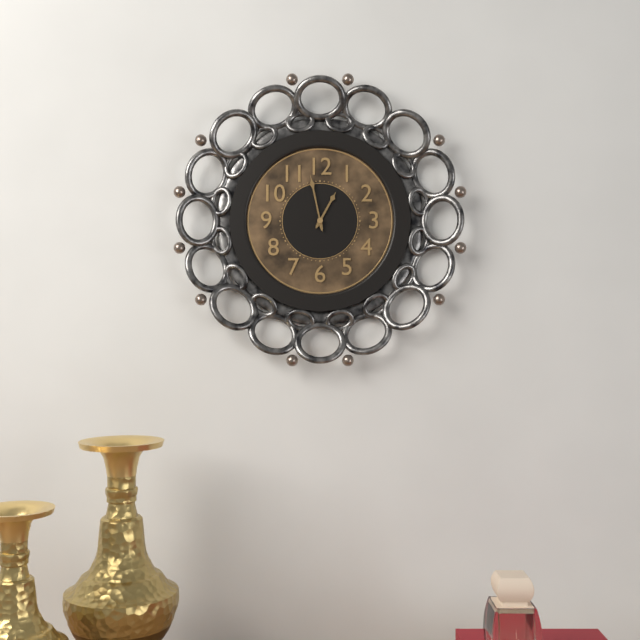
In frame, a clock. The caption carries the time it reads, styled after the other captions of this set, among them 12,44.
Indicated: 12,58
